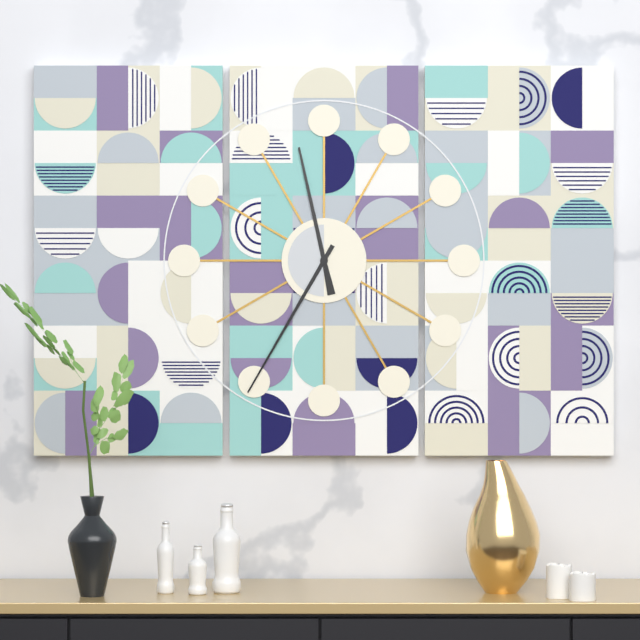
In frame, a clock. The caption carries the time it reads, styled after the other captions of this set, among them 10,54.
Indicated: 11,35
